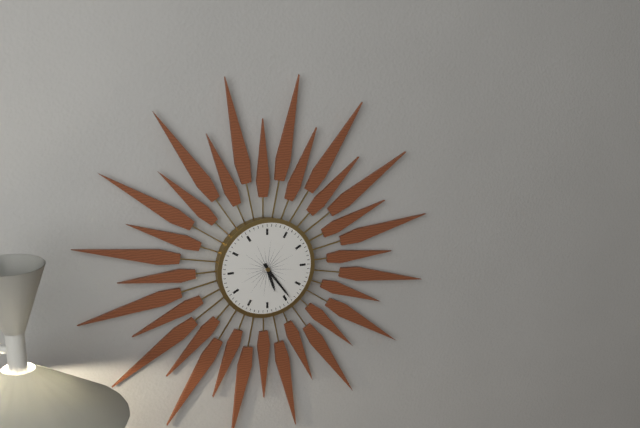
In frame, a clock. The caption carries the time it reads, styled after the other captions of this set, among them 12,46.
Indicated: 5,24
